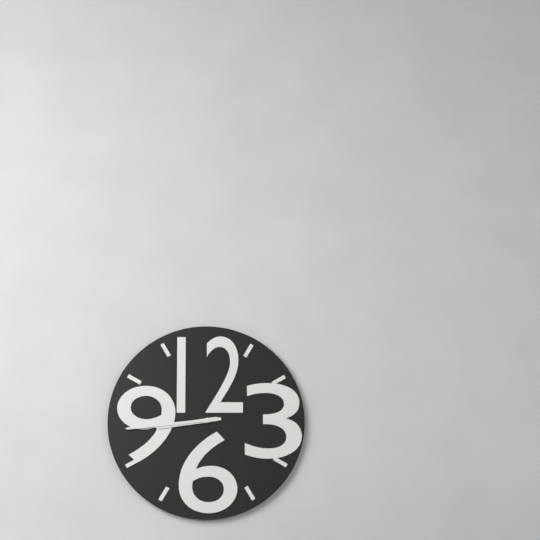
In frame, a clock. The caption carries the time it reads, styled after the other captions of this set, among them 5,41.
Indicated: 8,44
